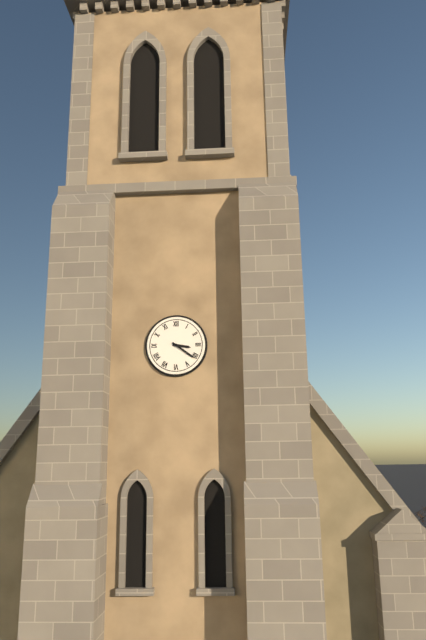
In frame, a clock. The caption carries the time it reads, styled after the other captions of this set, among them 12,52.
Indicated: 3,21
